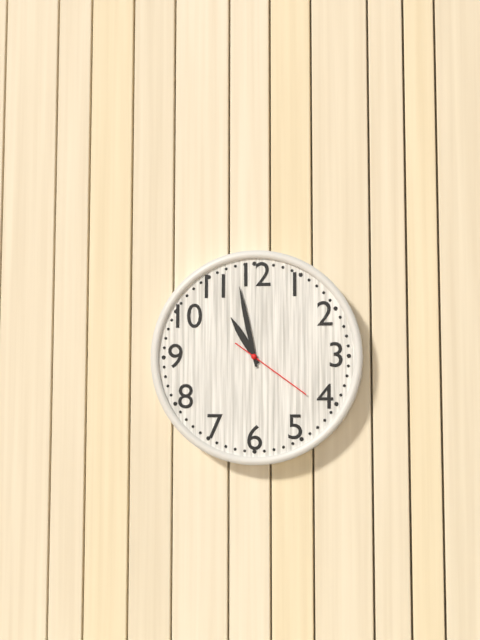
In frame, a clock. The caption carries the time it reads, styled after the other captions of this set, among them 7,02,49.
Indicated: 10,58,21
